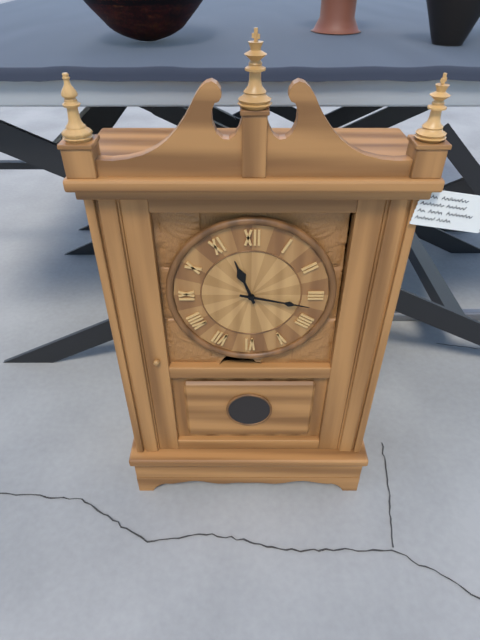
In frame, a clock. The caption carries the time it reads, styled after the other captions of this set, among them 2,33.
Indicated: 11,17
